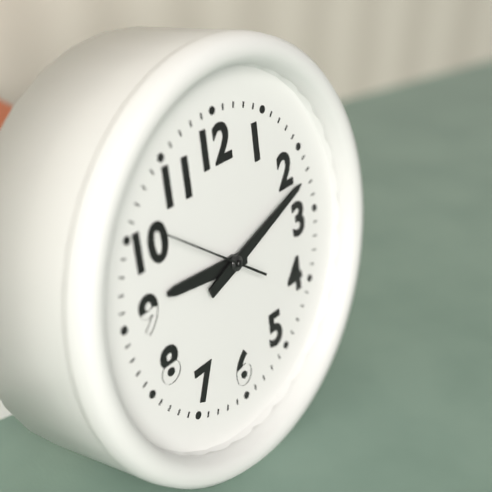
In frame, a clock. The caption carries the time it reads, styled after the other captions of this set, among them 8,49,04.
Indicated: 9,12,51
